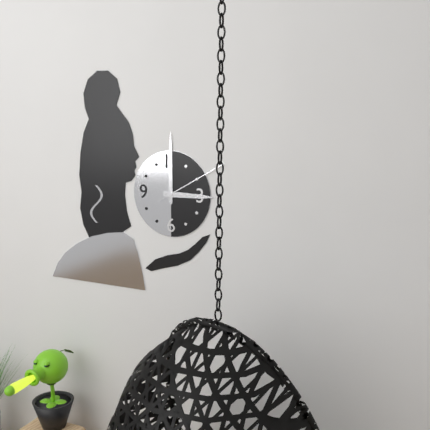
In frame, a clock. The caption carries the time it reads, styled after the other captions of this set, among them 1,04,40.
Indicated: 3,00,10
